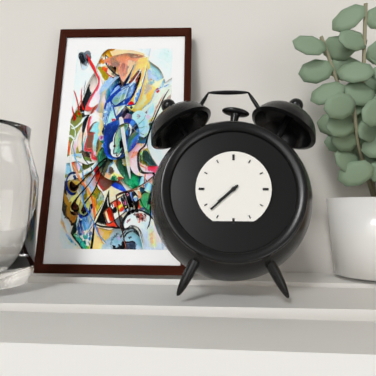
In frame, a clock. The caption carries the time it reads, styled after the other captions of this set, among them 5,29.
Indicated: 7,38
